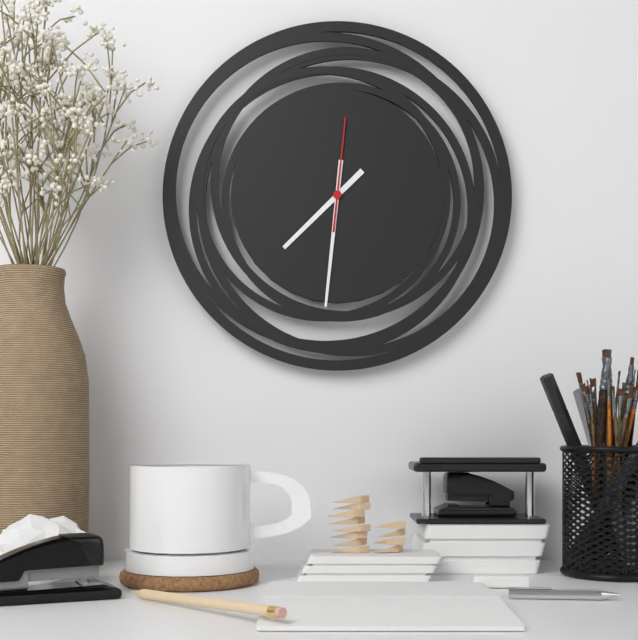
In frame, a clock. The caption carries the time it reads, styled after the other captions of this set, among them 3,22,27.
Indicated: 7,31,01
